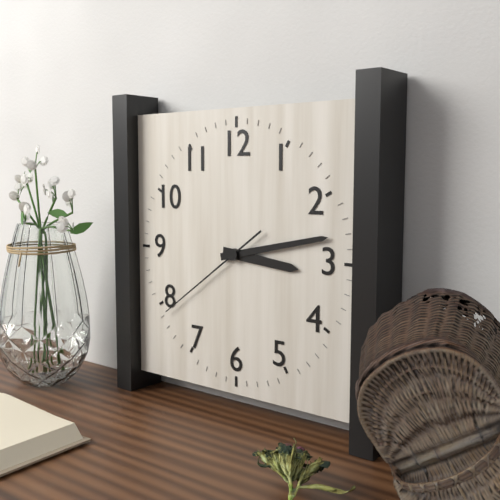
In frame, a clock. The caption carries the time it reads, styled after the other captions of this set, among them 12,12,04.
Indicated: 3,13,39
